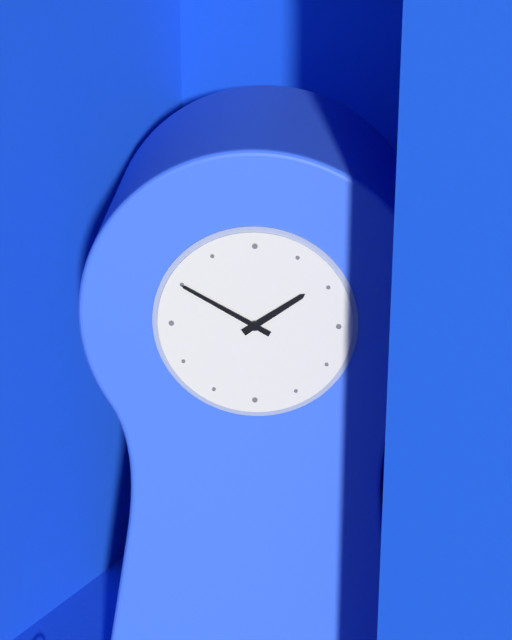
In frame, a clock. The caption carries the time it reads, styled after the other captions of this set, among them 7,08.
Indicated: 1,50
